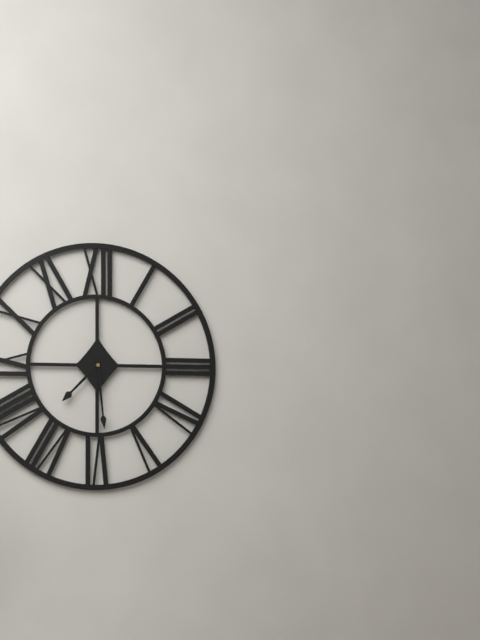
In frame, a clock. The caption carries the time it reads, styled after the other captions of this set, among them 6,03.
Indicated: 7,29
